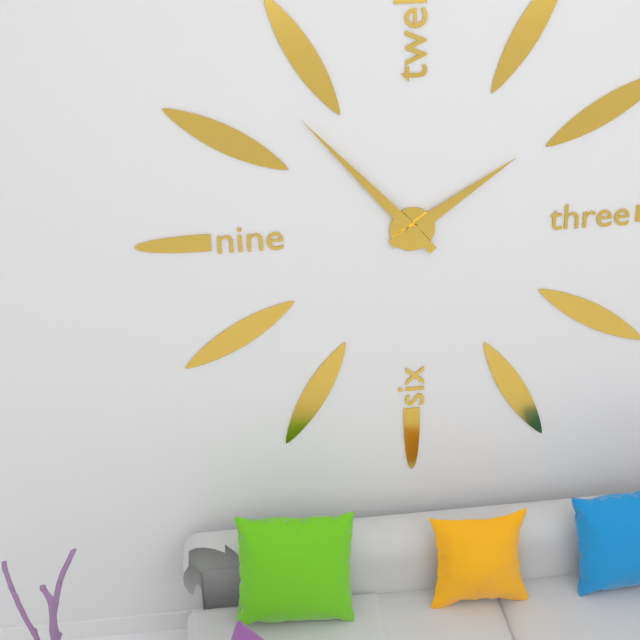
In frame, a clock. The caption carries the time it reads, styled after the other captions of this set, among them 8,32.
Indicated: 1,53
